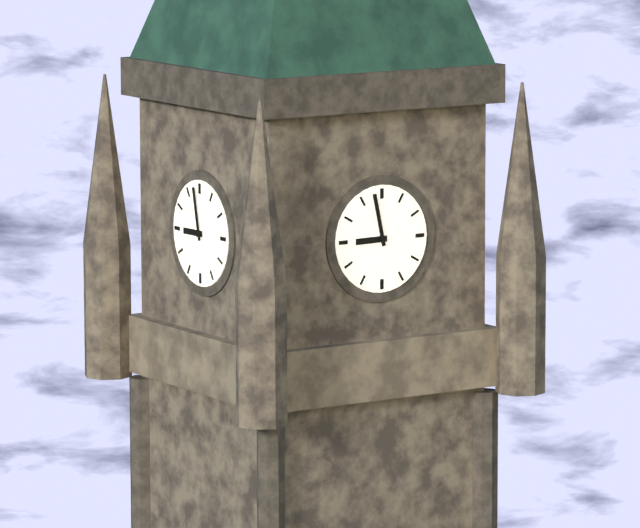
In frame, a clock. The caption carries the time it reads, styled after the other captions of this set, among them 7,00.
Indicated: 8,58
